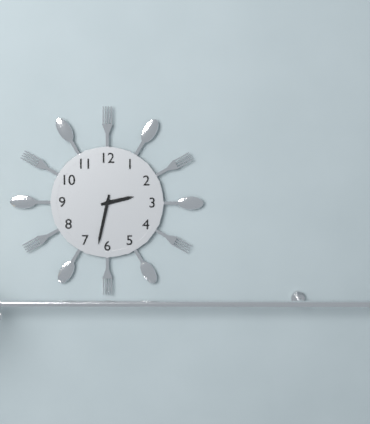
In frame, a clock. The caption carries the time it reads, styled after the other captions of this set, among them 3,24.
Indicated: 2,32
